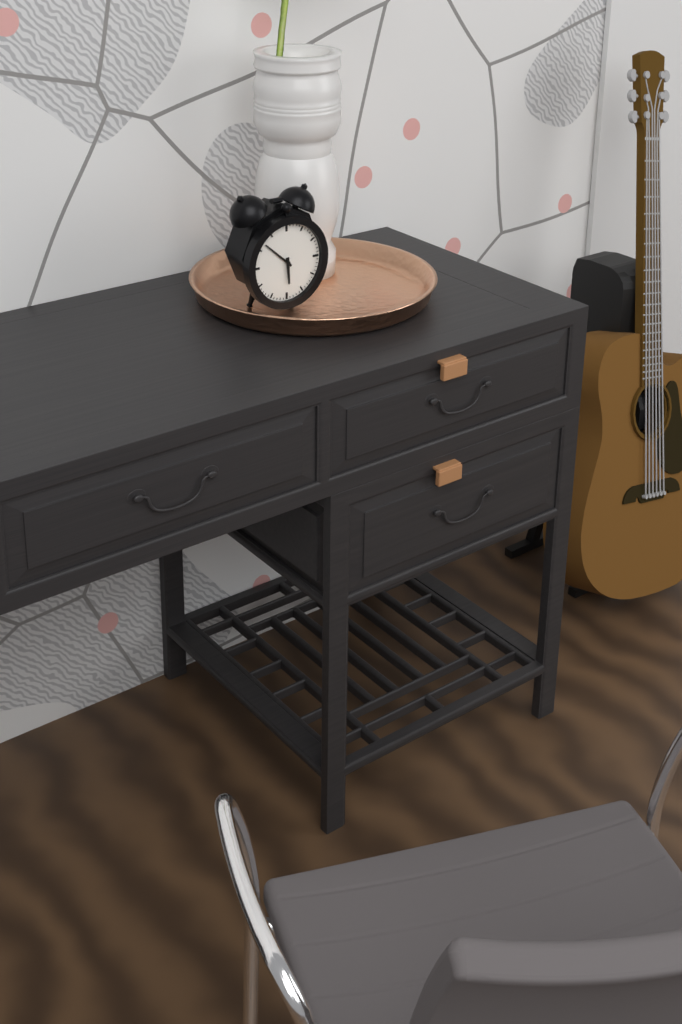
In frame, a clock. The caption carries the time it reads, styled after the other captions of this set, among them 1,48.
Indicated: 5,52
